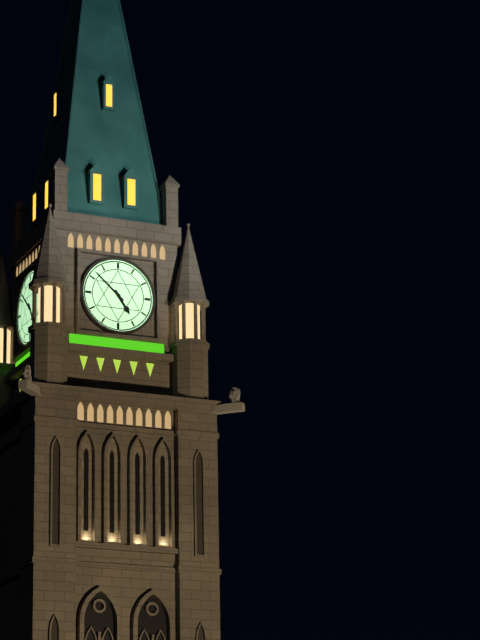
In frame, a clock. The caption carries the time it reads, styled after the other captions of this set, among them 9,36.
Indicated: 4,52
